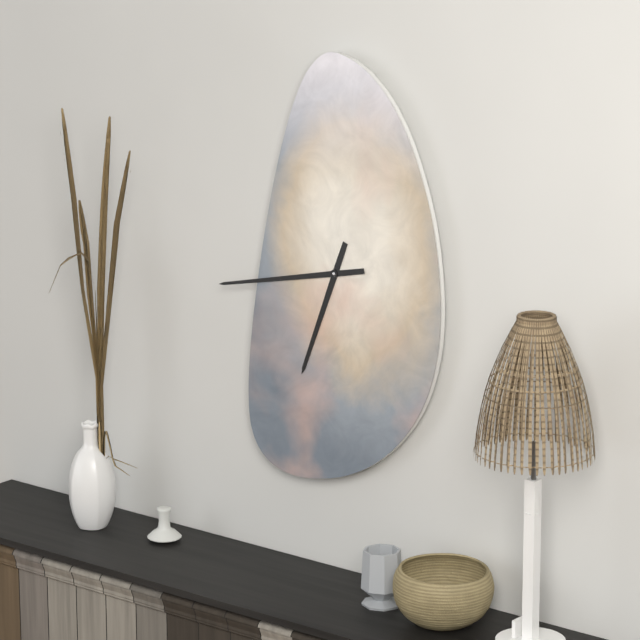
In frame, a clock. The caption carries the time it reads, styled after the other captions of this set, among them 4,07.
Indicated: 6,43
